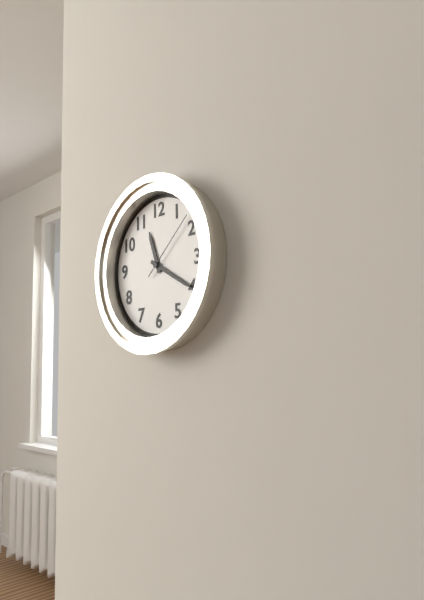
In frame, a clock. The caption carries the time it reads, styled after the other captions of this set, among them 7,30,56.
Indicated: 11,20,08
